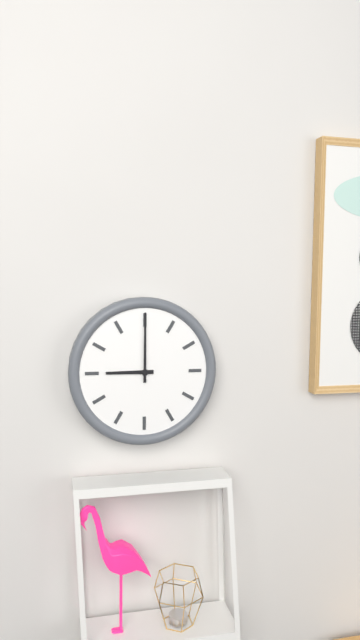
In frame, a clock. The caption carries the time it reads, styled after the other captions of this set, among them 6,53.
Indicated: 9,00
